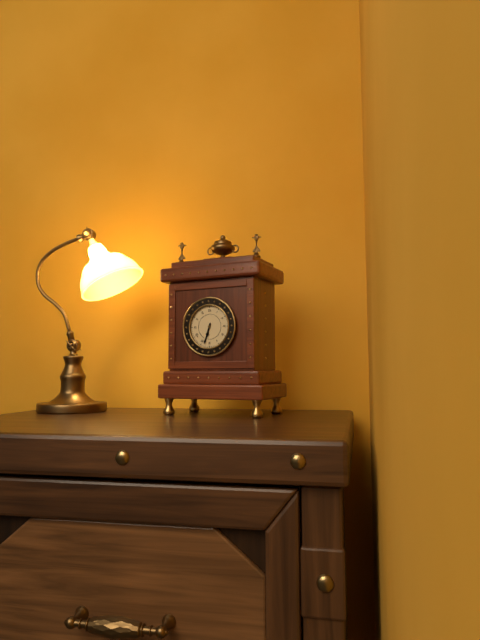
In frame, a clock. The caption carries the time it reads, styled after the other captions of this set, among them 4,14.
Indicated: 6,33
